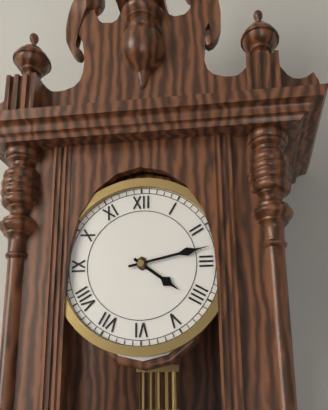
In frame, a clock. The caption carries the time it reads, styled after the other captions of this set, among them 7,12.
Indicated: 4,13
